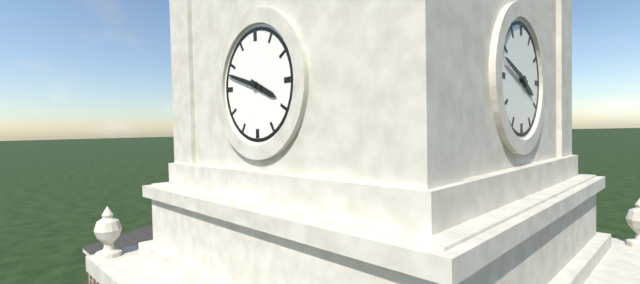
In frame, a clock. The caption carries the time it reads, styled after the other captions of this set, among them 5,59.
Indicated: 3,48
